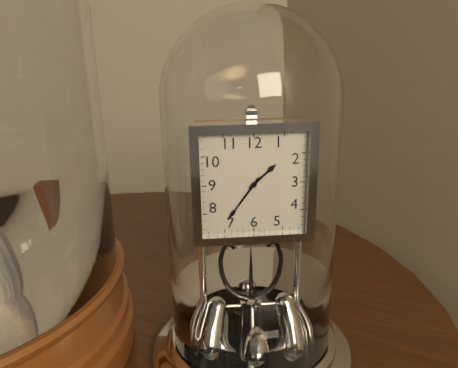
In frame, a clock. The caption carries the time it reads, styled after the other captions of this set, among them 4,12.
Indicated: 1,36
